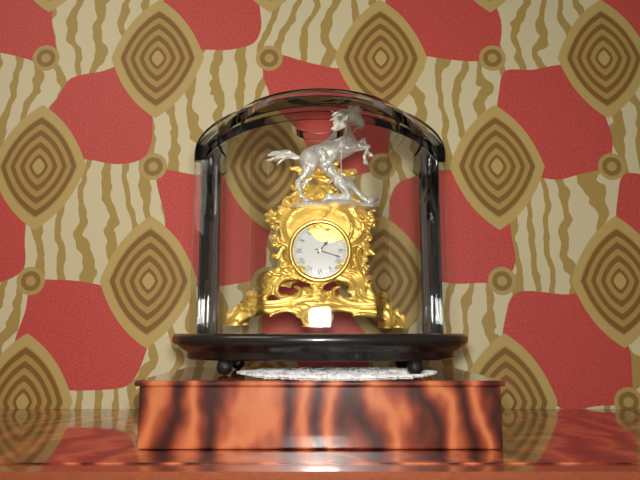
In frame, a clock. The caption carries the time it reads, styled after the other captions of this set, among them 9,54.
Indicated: 1,18
